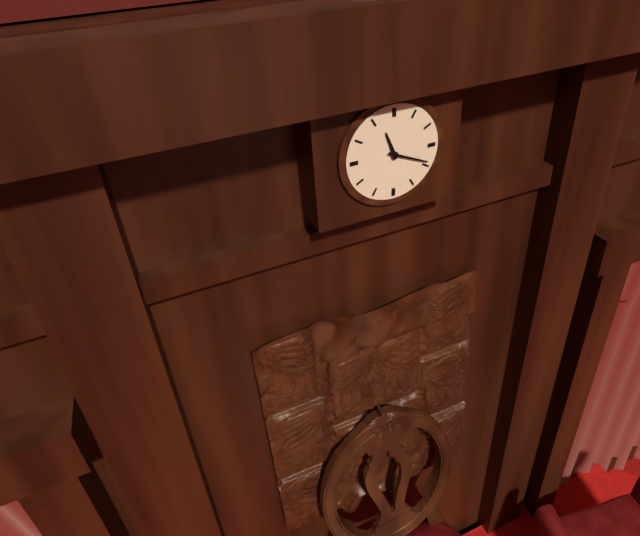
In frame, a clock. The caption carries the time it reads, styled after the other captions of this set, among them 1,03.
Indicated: 11,19
